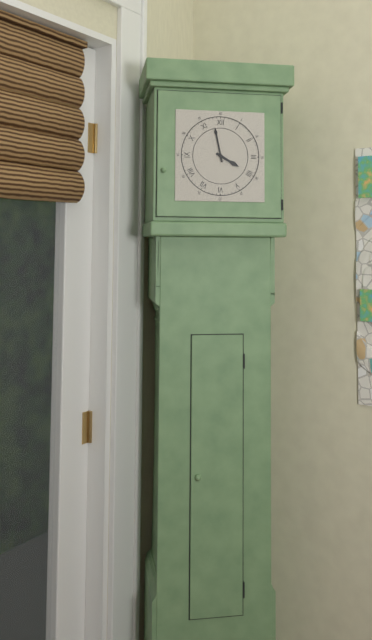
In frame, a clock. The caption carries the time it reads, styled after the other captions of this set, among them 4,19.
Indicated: 3,58
